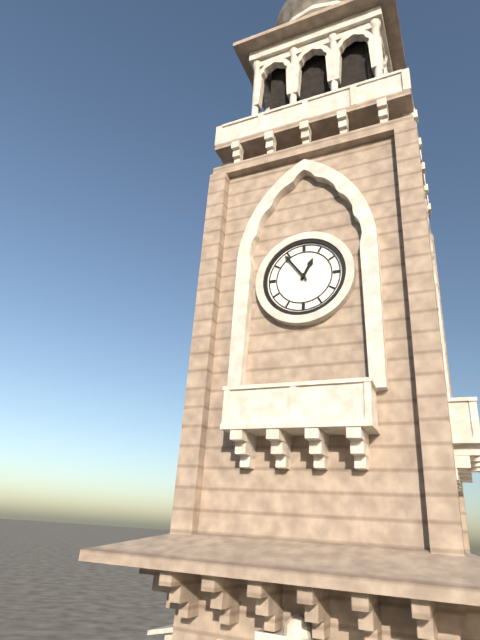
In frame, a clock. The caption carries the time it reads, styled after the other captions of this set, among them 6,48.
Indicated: 12,54
